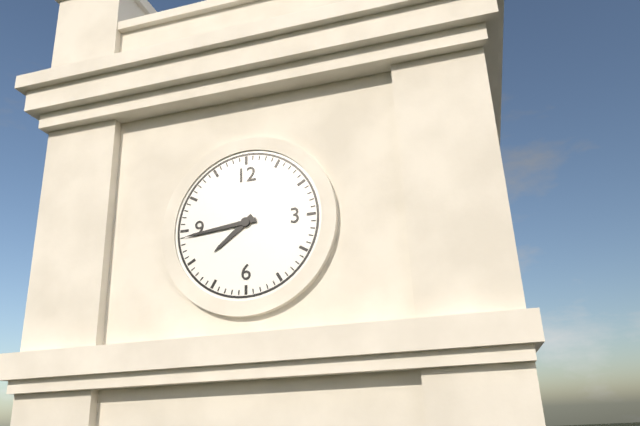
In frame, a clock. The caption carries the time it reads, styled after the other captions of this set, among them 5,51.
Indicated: 7,44
